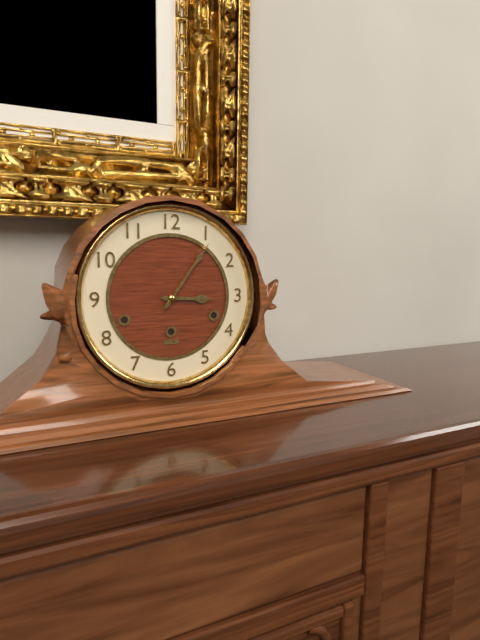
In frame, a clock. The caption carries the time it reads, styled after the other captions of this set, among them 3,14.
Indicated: 3,06
